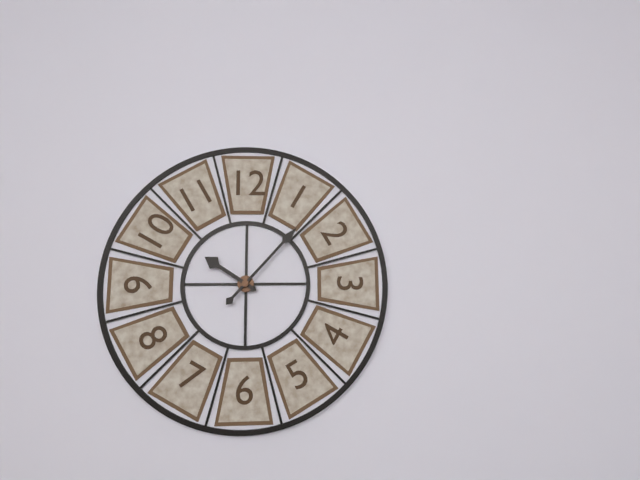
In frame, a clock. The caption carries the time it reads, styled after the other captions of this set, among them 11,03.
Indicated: 10,07
